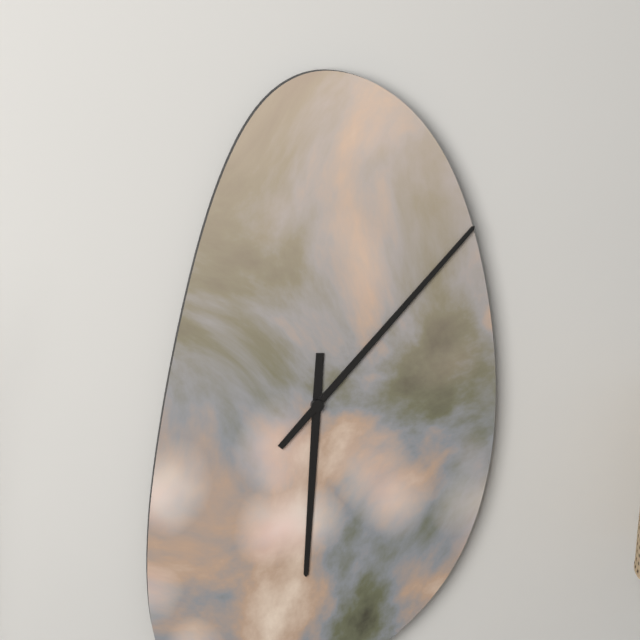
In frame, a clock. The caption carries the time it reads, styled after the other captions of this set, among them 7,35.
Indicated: 6,07
